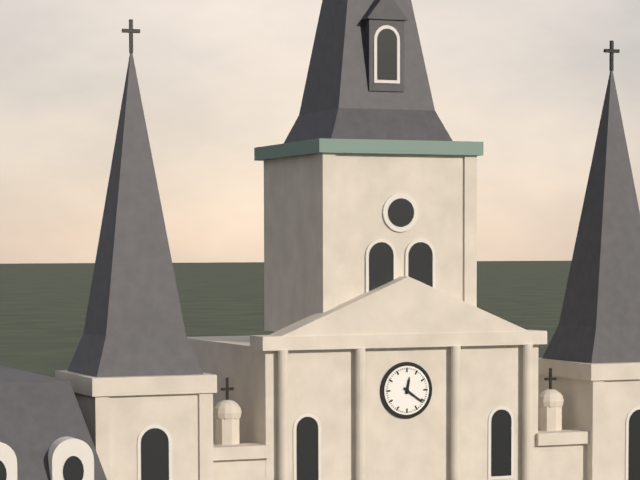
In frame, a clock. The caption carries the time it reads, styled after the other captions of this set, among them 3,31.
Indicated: 12,21
